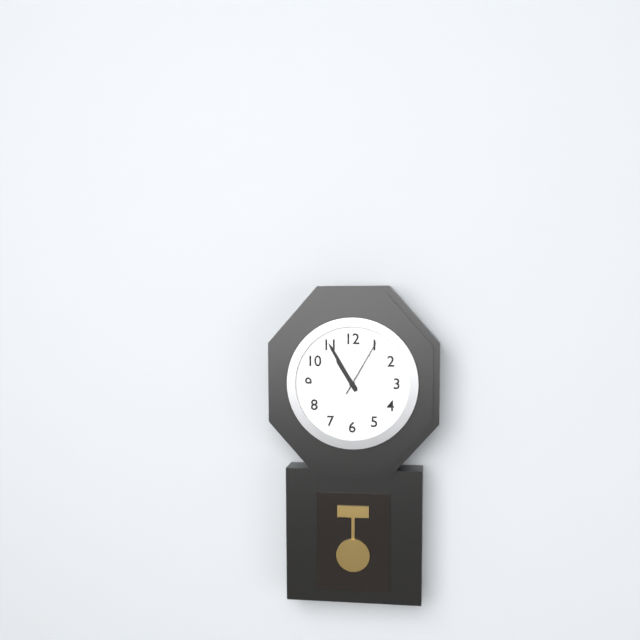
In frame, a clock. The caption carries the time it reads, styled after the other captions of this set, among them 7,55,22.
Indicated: 10,55,05
